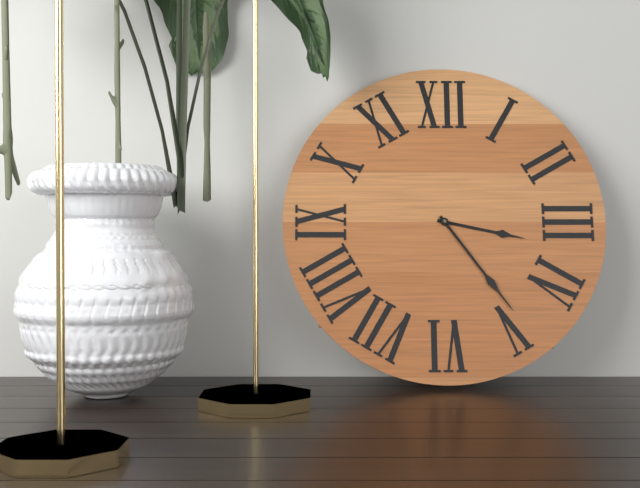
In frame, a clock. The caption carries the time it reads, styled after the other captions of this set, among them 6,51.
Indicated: 3,24
